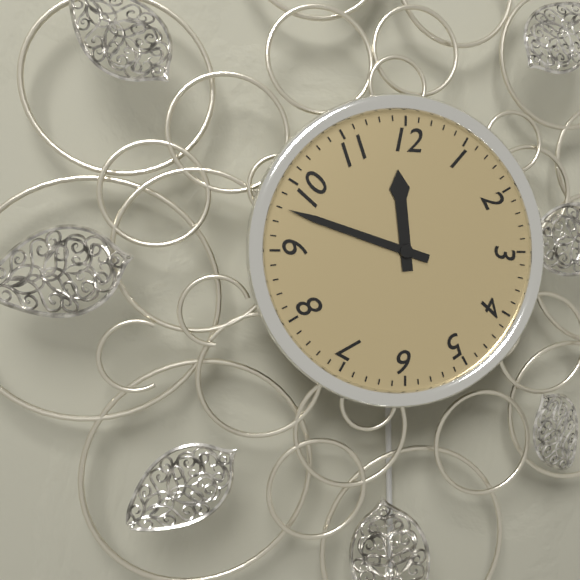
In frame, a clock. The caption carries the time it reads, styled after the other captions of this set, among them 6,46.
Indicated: 11,48
